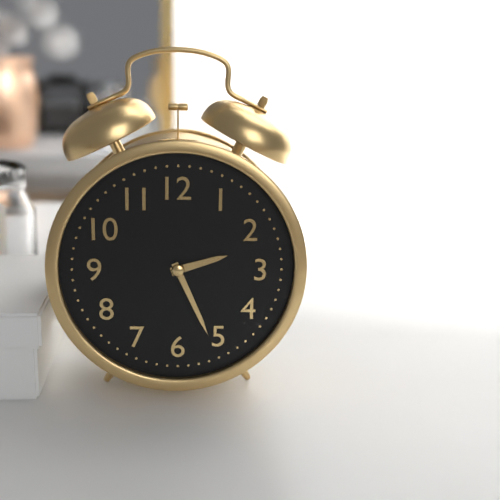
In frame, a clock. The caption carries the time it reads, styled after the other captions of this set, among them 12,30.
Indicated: 2,26
